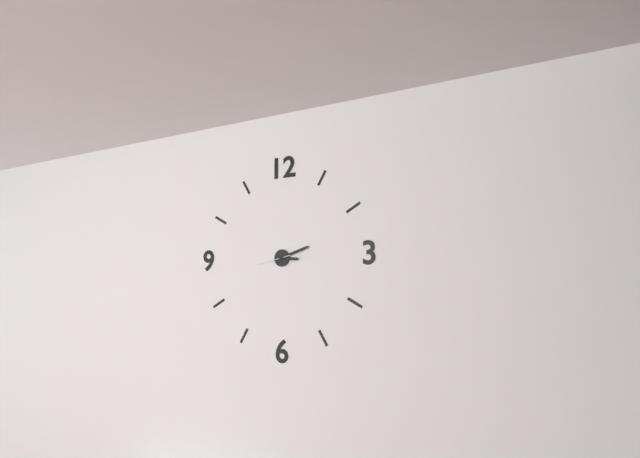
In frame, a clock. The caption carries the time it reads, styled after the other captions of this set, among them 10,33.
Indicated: 3,12
